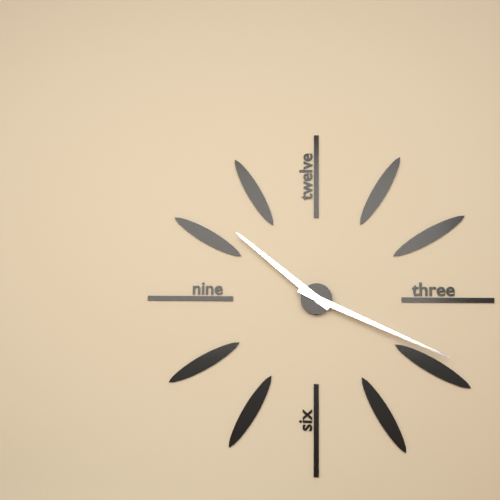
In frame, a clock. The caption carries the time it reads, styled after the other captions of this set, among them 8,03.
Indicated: 10,19
